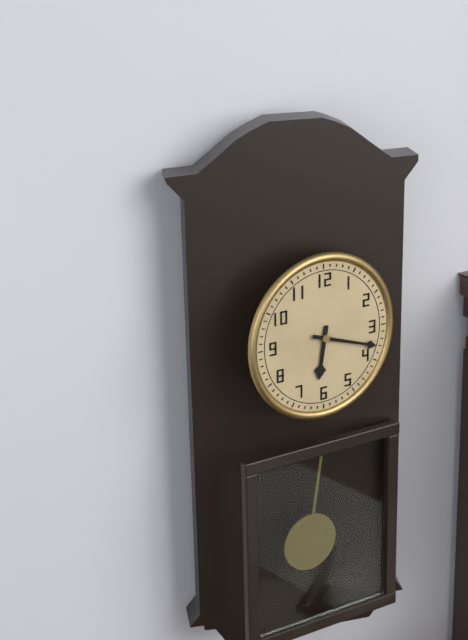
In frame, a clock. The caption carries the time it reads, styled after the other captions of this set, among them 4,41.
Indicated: 6,18
